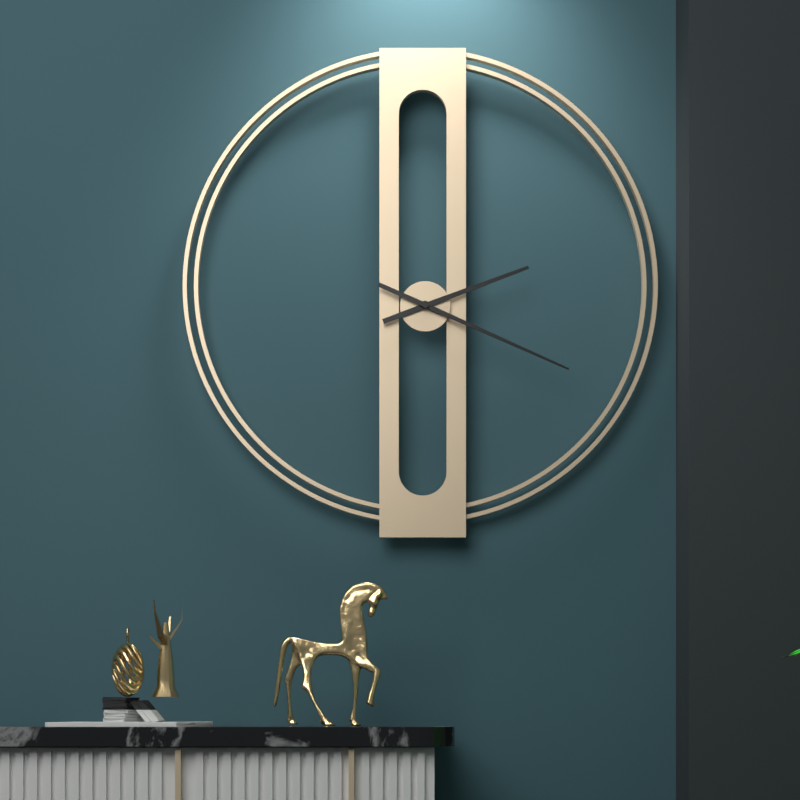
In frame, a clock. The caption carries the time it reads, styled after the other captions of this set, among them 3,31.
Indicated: 2,19
